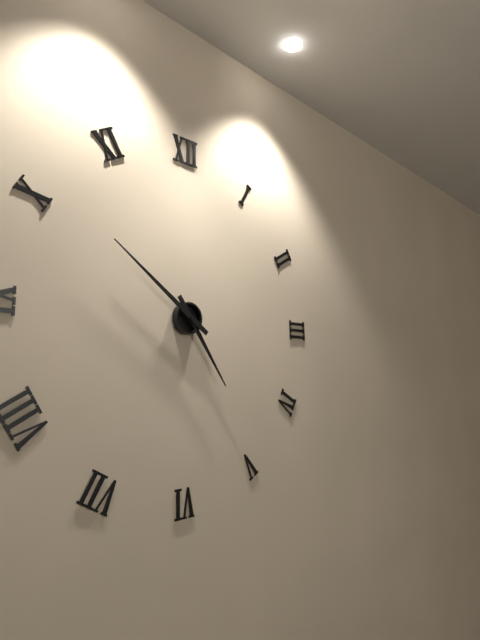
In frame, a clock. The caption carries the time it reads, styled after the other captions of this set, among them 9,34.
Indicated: 4,51
